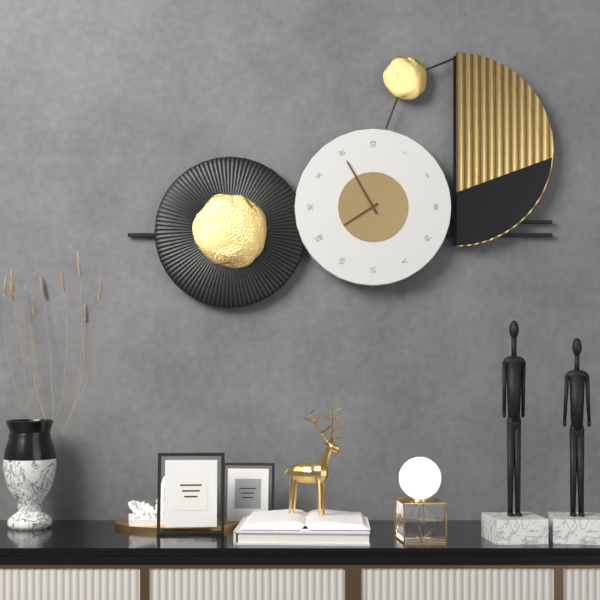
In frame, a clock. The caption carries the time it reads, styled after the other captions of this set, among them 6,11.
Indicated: 7,55
